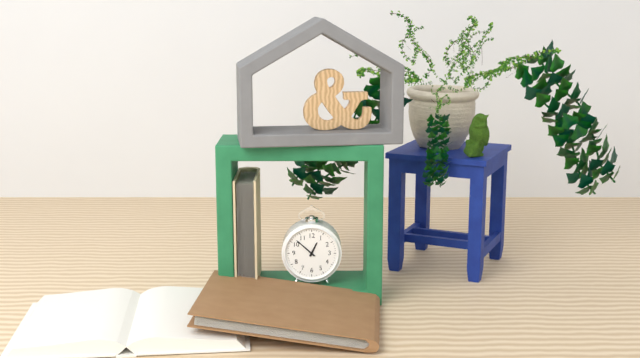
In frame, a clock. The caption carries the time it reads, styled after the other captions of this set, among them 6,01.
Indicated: 12,52
